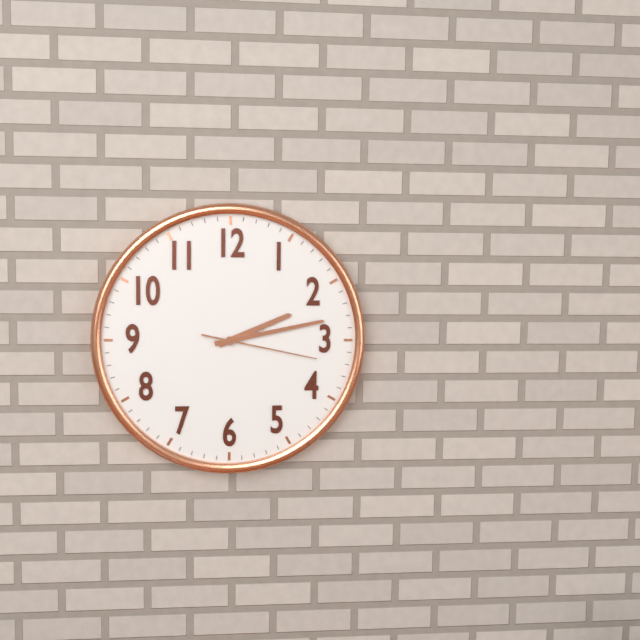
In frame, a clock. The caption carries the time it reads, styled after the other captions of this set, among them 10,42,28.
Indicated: 2,13,17
